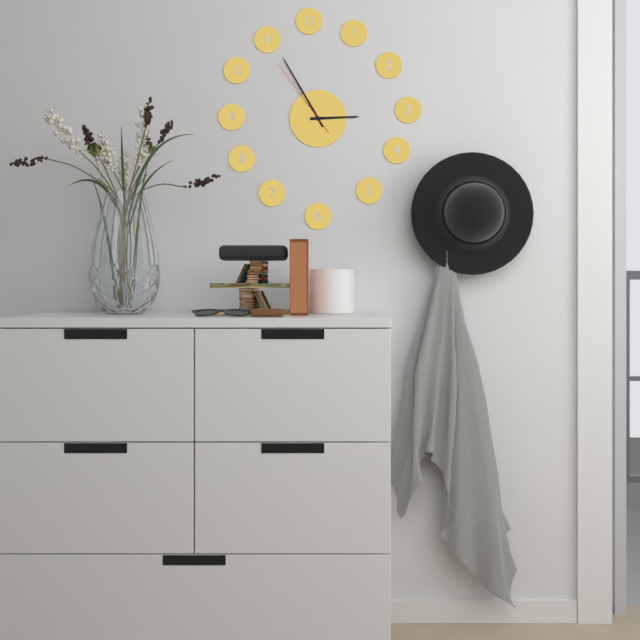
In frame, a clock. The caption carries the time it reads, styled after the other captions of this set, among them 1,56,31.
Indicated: 2,55,54
